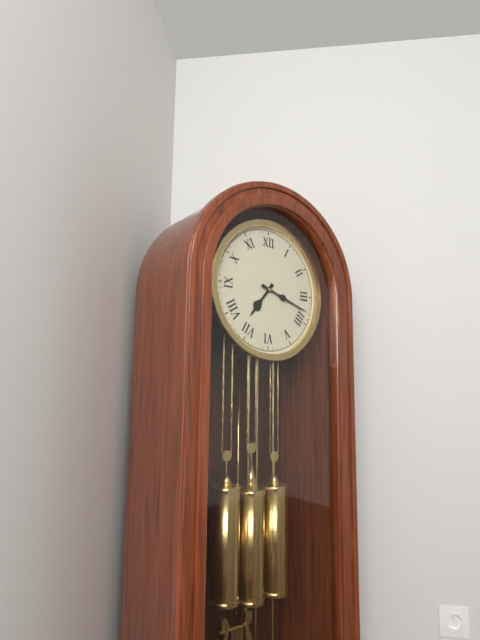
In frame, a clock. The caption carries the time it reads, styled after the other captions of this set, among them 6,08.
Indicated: 7,18
